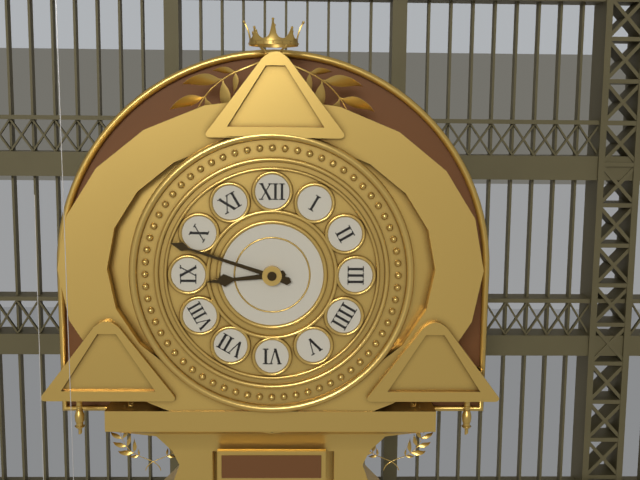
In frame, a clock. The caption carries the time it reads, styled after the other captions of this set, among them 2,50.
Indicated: 8,48
